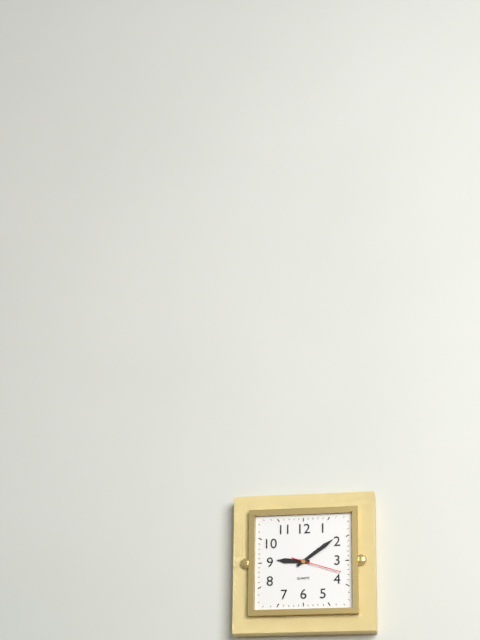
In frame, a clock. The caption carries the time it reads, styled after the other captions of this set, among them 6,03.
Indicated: 9,09
